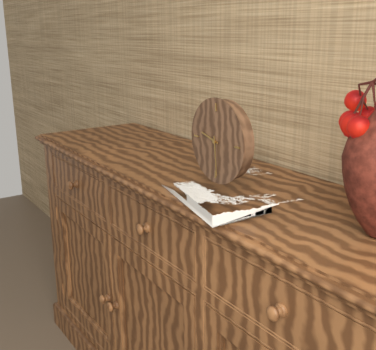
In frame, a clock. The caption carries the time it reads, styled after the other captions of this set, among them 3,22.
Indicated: 9,29
